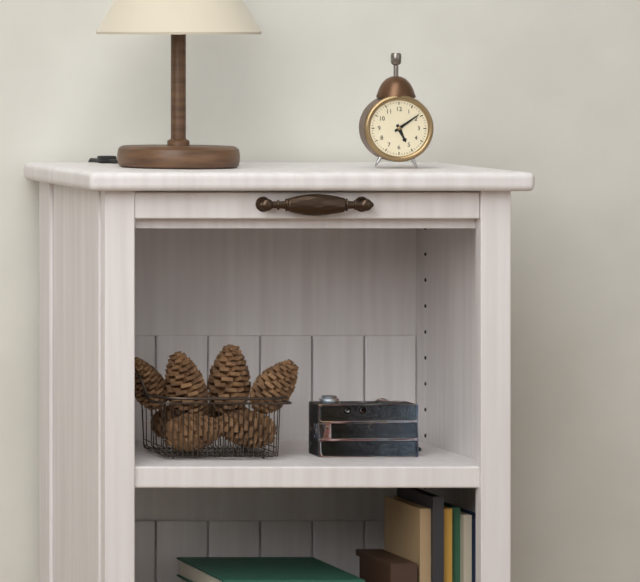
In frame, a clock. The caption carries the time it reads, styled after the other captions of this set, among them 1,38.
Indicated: 5,09
